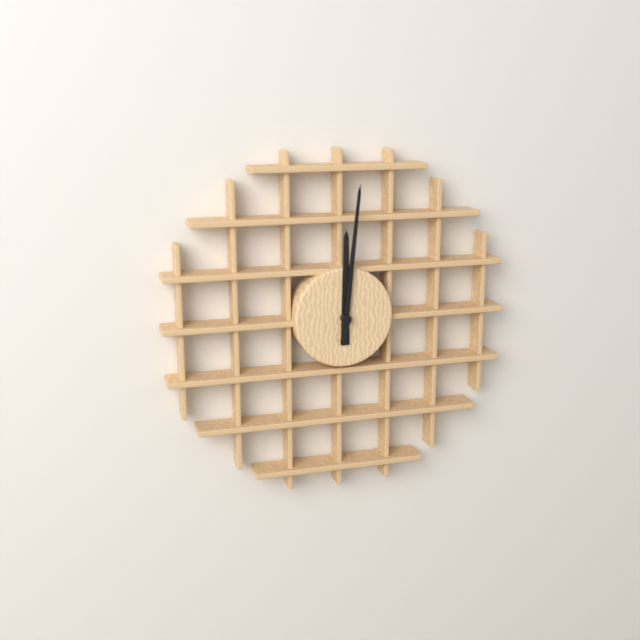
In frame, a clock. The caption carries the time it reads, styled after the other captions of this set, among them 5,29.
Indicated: 12,01
